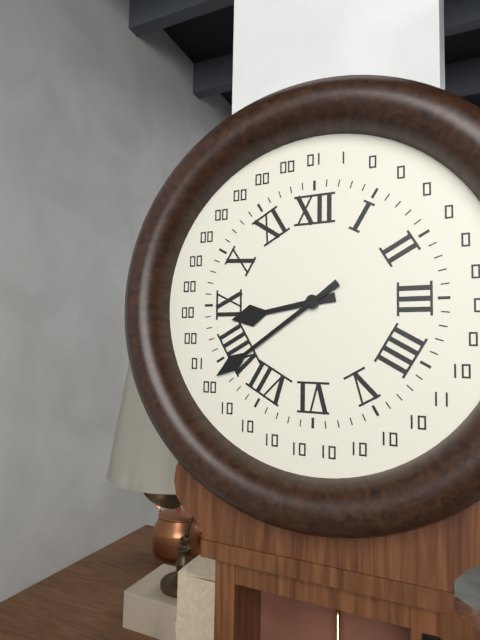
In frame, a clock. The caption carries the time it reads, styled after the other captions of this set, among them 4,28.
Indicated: 8,39
